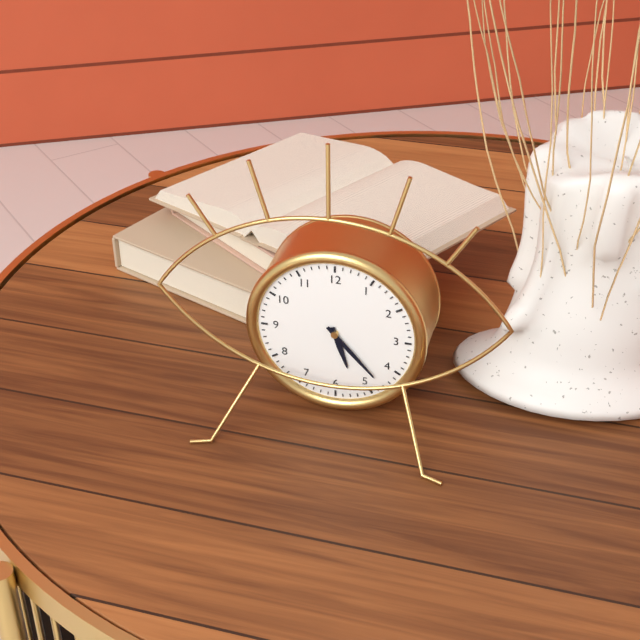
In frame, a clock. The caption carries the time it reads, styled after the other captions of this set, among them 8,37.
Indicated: 5,23
